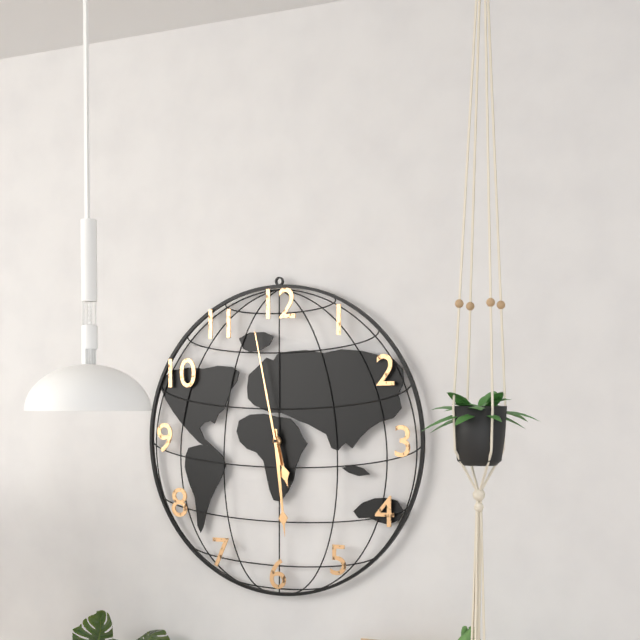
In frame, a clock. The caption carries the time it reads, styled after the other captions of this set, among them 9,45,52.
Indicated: 5,29,58
